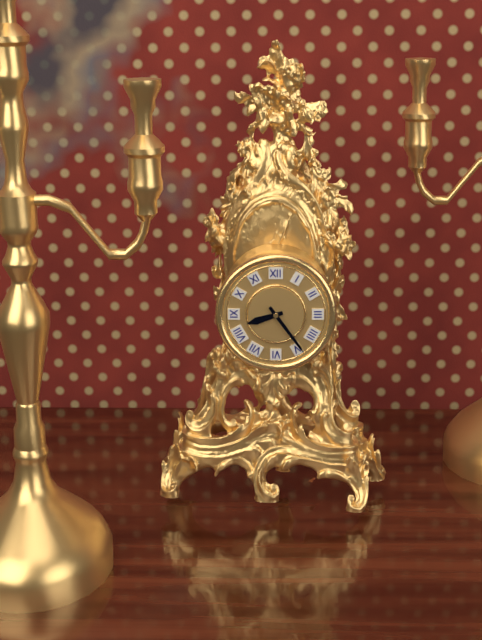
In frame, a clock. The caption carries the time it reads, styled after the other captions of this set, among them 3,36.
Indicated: 8,24
